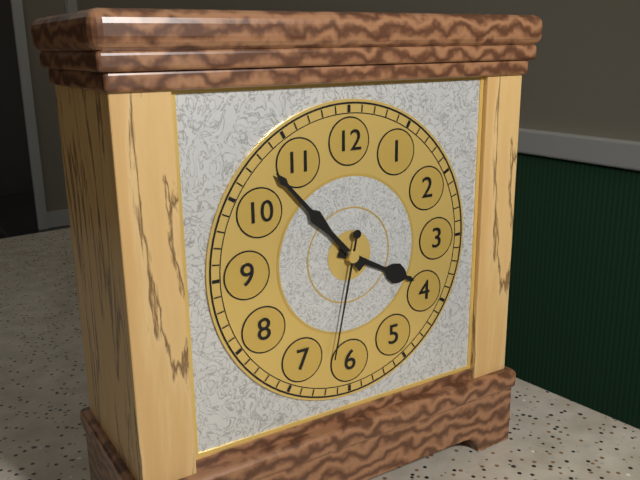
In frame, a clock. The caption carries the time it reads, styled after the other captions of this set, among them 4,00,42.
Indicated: 3,53,32
